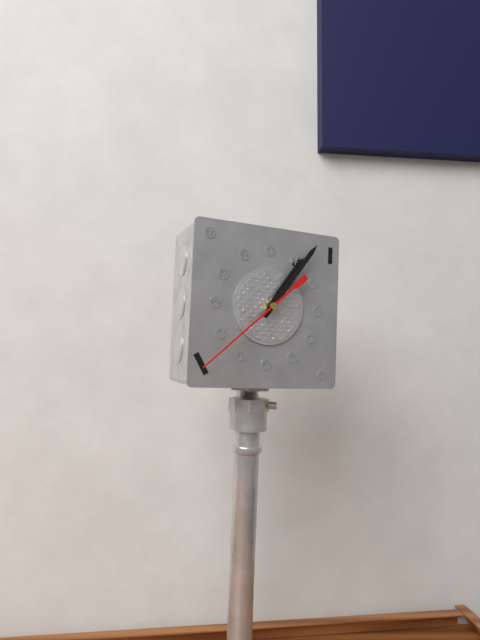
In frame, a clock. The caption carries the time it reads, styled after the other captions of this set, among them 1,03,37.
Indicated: 1,06,38
